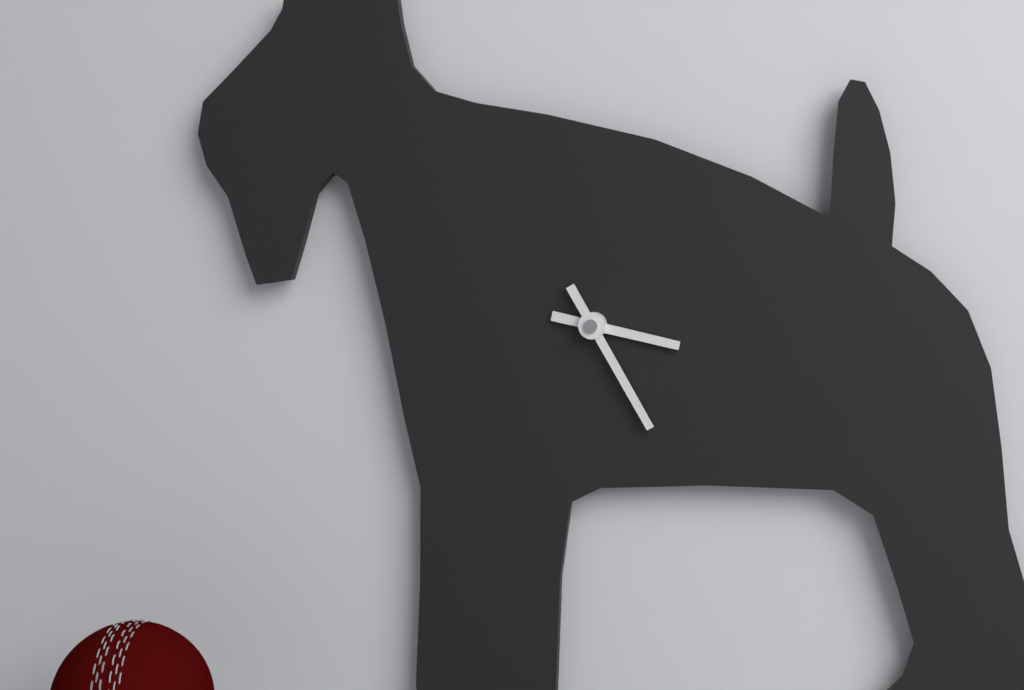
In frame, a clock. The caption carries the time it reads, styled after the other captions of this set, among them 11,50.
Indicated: 3,25
